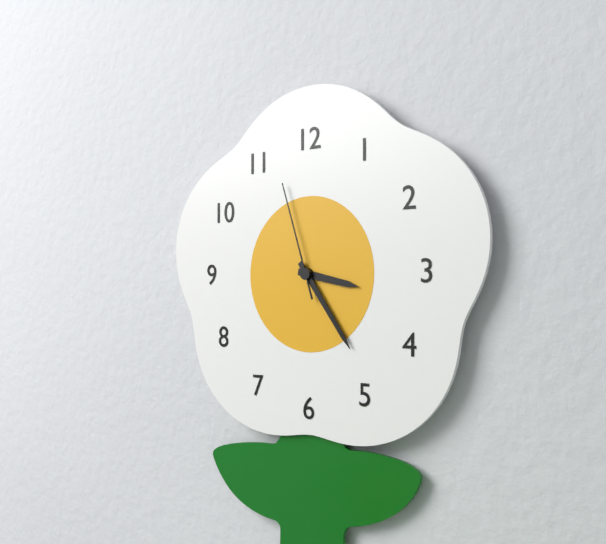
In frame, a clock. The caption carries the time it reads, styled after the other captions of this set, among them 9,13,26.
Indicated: 3,24,57
